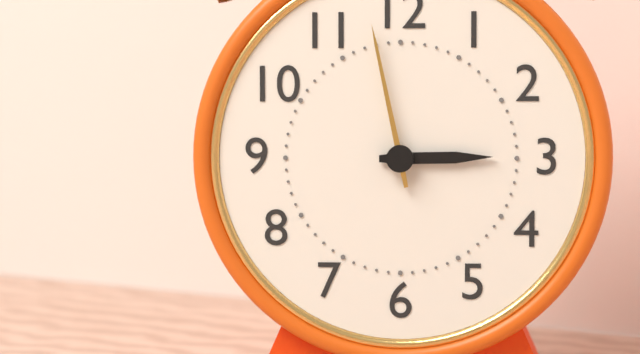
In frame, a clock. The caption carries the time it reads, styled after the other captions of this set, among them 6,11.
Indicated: 2,58
